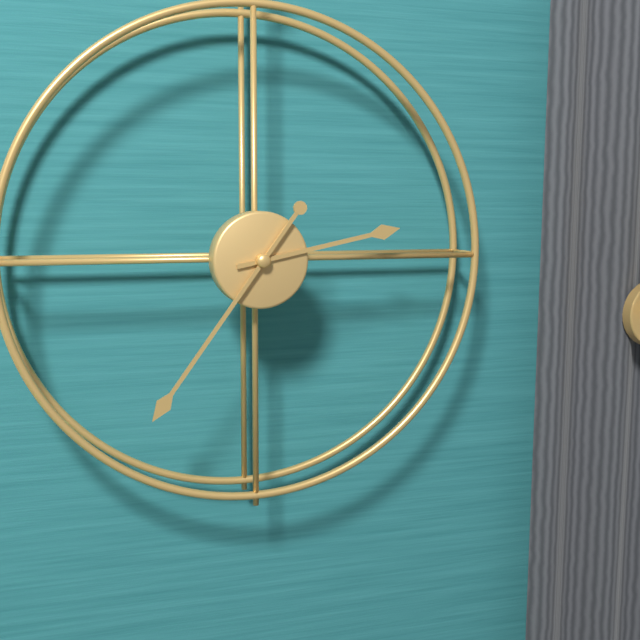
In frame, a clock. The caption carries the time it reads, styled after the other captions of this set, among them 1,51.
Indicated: 2,36
